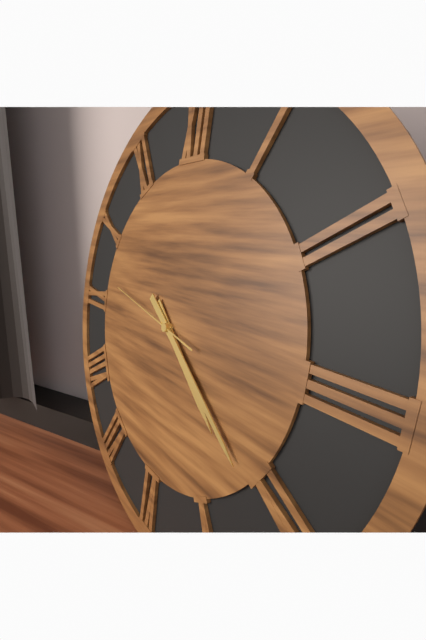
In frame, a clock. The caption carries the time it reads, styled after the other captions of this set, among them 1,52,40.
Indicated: 4,21,47
